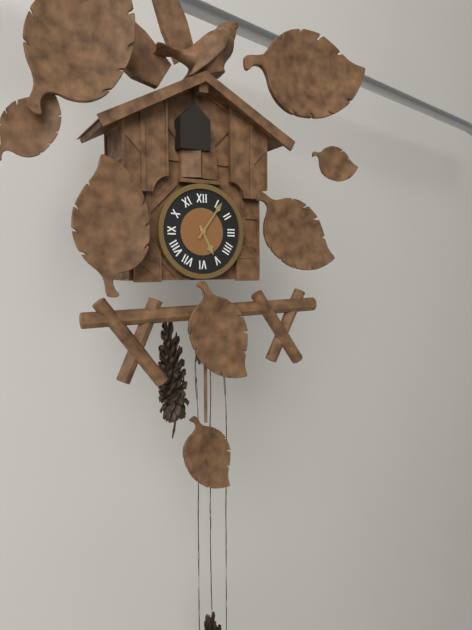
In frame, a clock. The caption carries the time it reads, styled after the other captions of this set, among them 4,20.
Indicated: 5,06
